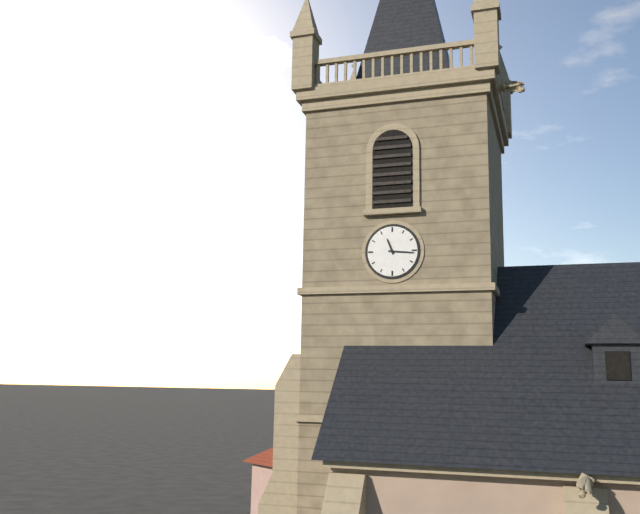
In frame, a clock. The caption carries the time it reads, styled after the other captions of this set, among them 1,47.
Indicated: 11,16
